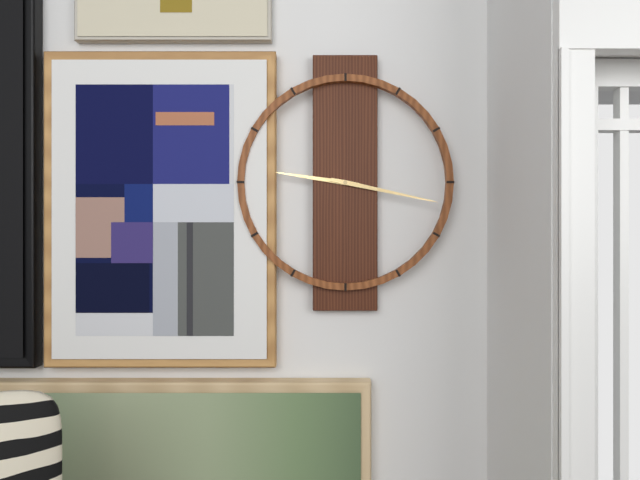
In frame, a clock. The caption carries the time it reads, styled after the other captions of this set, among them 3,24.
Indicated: 9,17
